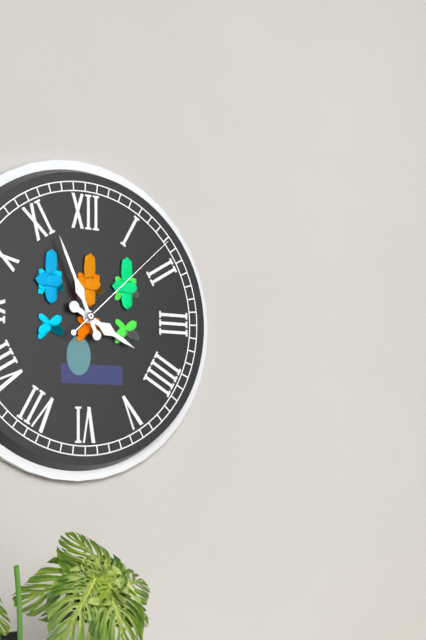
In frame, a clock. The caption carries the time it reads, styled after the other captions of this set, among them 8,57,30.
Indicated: 3,56,08
